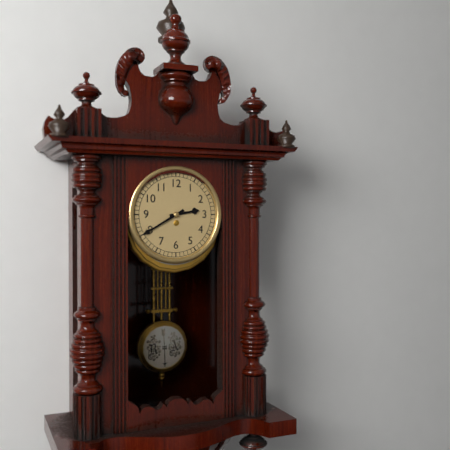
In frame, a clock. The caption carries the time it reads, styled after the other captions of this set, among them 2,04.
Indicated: 2,40
